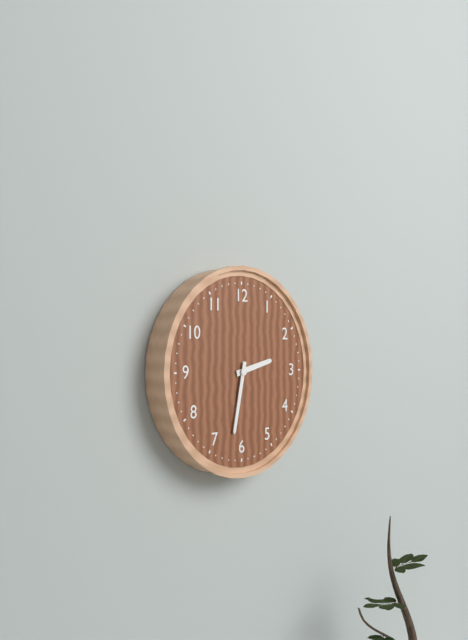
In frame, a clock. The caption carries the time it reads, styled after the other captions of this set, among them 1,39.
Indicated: 2,32
